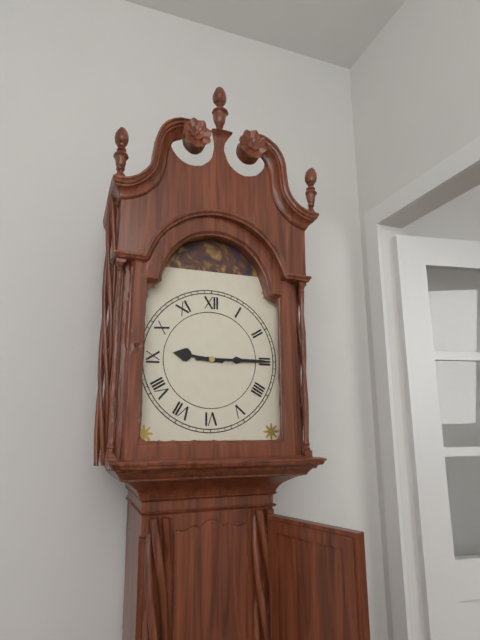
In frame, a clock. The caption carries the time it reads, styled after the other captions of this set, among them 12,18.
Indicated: 9,15
